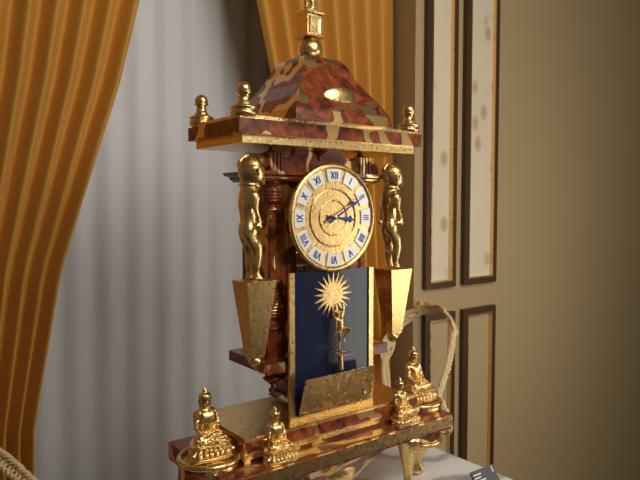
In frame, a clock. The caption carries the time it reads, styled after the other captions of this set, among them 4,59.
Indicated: 3,10
